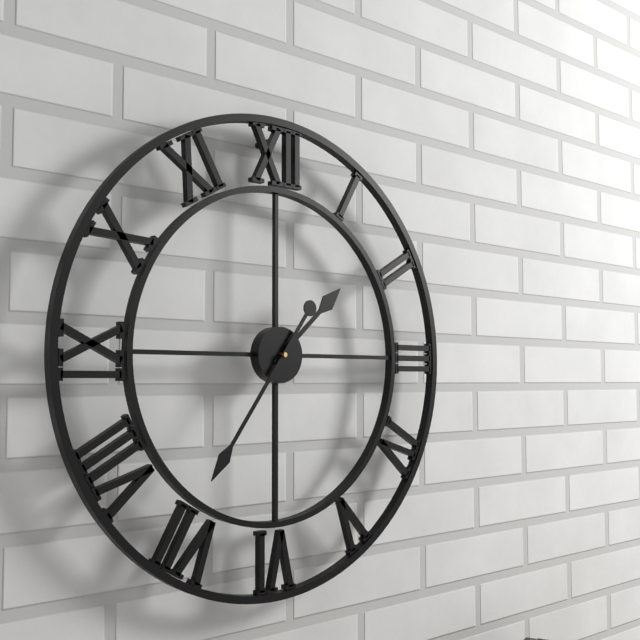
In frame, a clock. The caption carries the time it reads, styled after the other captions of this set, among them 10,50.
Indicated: 1,36
